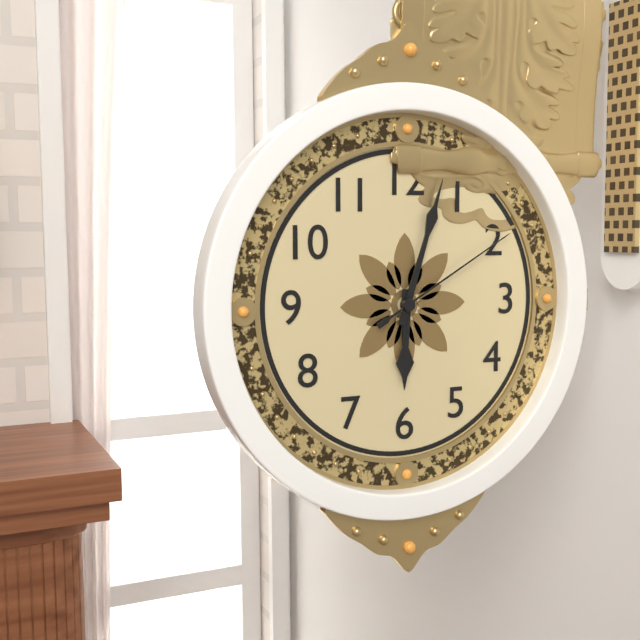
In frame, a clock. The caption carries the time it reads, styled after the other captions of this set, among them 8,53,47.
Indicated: 6,03,10
